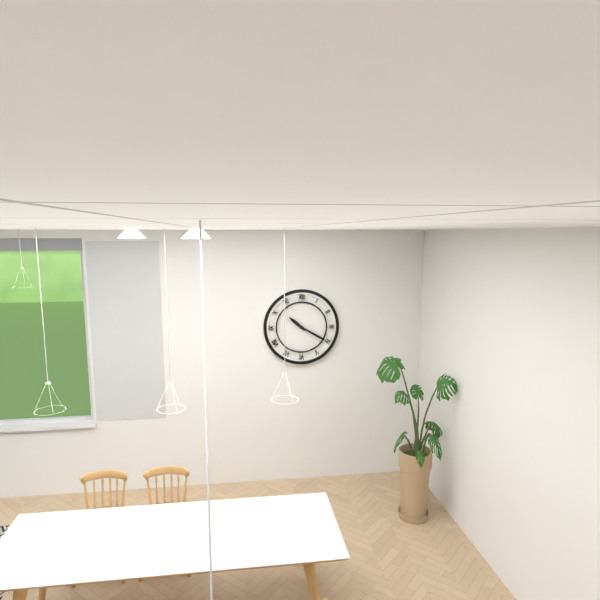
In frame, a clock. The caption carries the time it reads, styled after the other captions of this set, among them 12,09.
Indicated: 10,20
